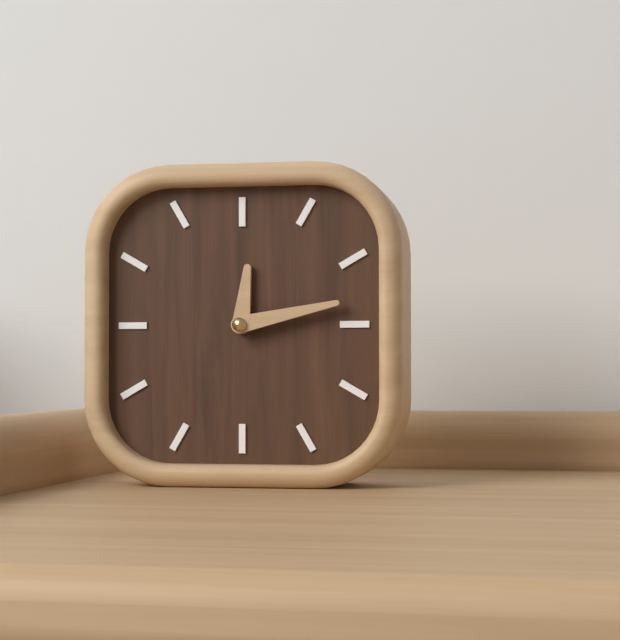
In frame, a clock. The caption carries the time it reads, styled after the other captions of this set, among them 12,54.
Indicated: 12,13
